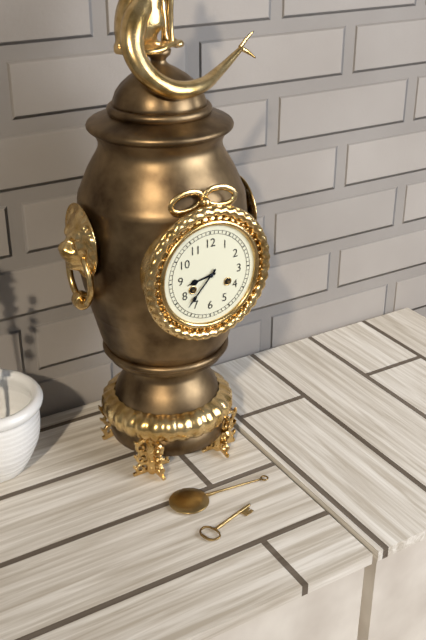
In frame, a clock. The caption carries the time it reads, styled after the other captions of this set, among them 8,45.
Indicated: 8,37
